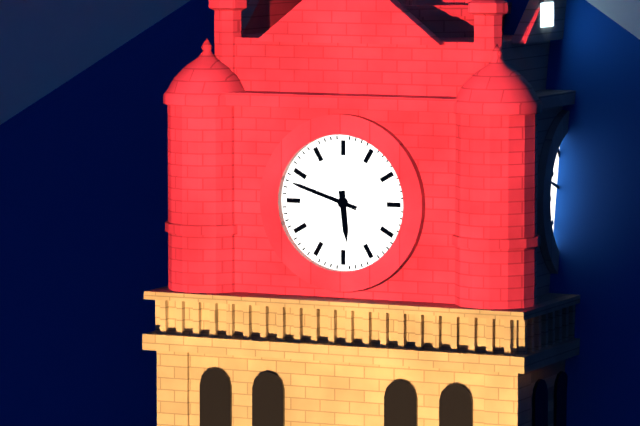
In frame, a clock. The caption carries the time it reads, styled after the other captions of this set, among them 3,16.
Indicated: 5,48
